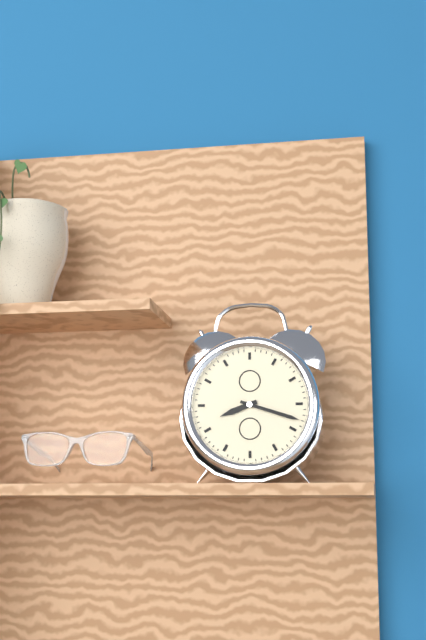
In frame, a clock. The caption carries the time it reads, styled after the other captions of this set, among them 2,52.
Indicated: 8,18
